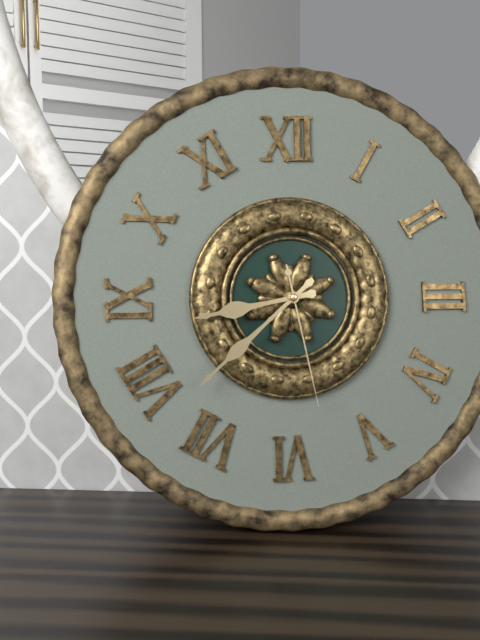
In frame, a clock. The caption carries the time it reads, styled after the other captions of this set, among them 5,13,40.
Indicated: 8,38,28
